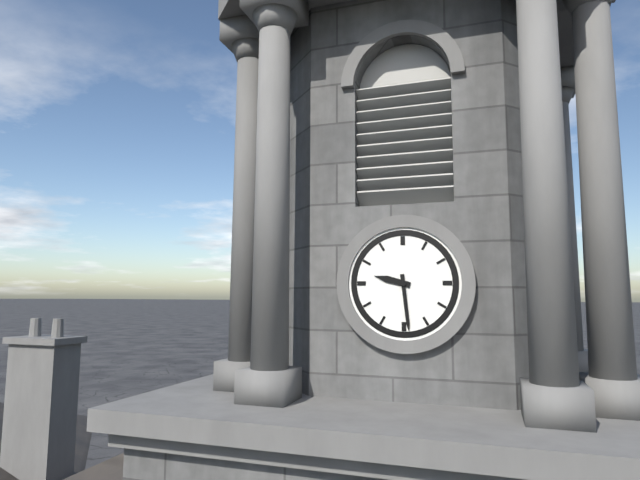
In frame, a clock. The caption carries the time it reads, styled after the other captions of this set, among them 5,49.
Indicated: 9,29
